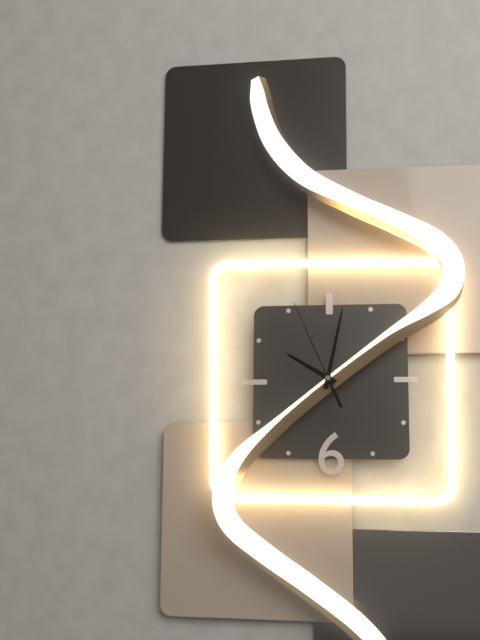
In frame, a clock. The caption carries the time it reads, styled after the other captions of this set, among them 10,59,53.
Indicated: 10,02,56
